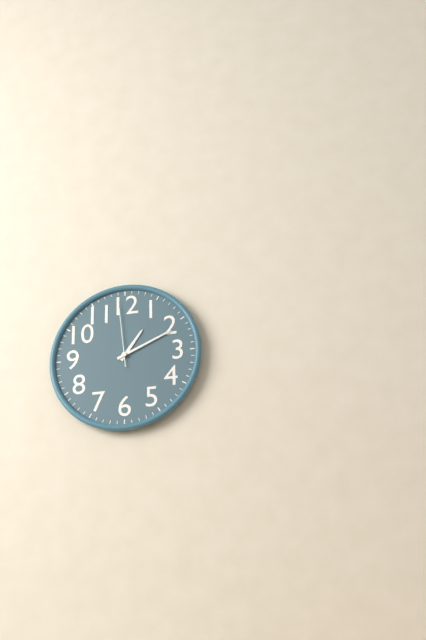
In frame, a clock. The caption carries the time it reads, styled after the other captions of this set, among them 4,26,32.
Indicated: 1,11,59
